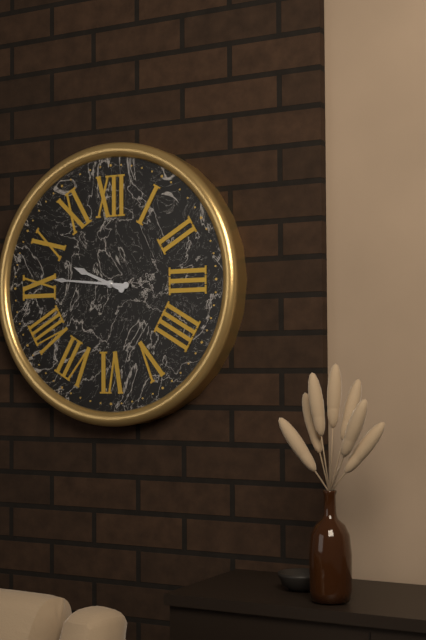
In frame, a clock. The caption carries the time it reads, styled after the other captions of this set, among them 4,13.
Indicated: 9,46
